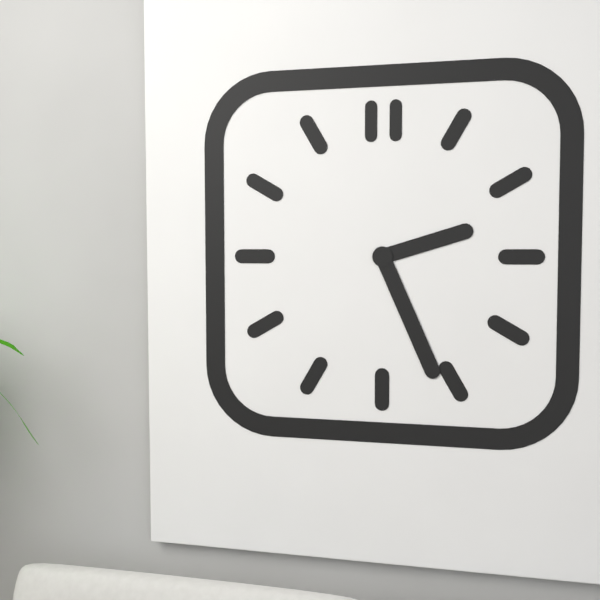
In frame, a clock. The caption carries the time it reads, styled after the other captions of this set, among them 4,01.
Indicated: 2,26
